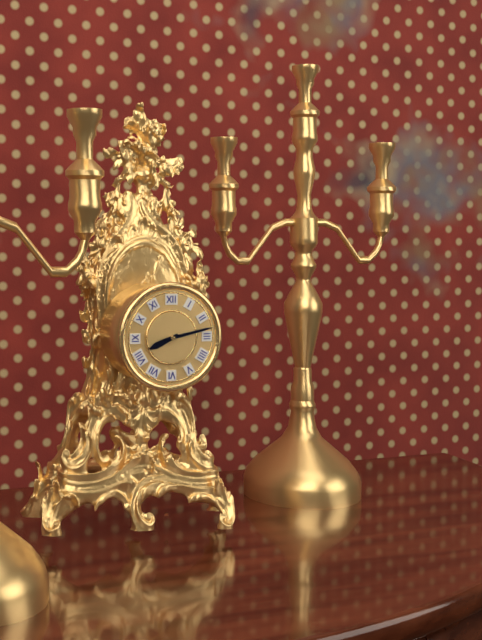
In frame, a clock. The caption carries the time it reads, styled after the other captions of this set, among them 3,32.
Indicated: 8,13
